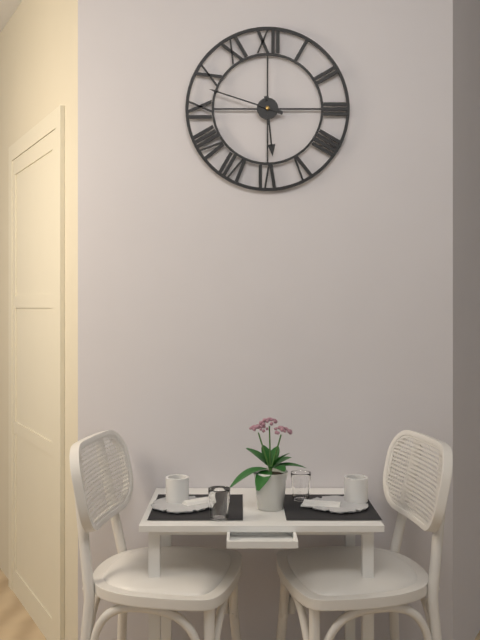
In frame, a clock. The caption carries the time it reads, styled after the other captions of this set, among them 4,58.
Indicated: 5,48
